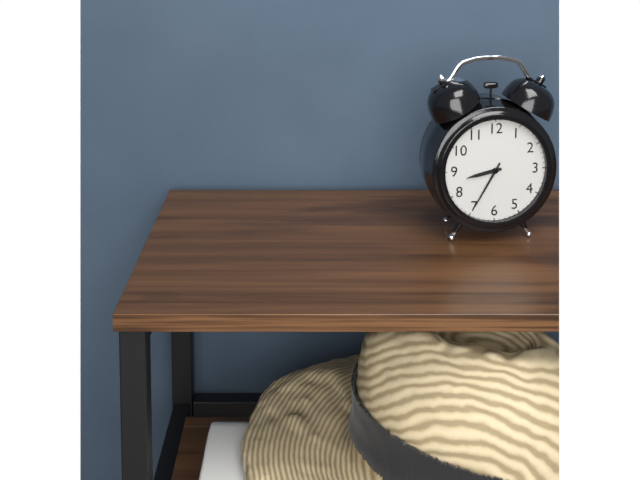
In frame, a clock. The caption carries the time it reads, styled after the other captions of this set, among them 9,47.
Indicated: 8,35
